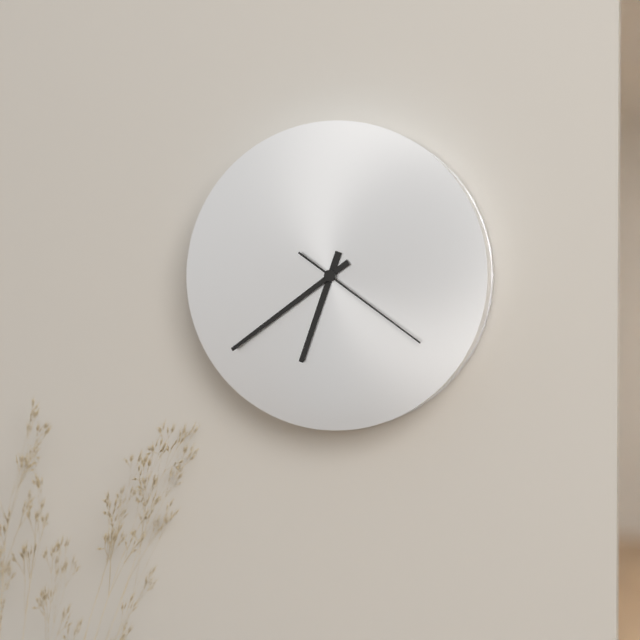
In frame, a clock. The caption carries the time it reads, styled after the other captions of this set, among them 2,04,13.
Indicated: 6,39,21
